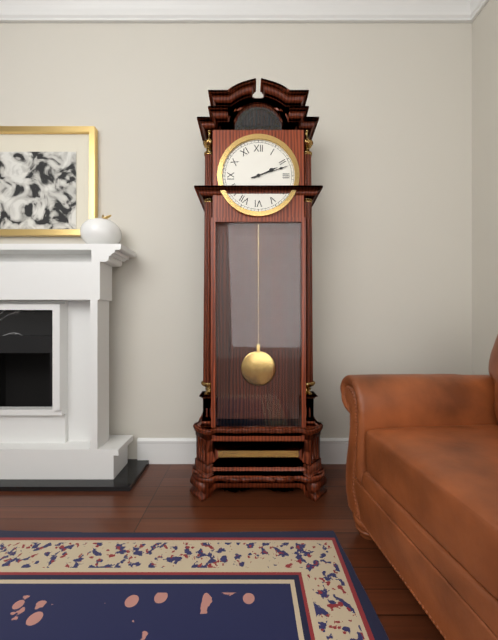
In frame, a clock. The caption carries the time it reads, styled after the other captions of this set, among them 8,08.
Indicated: 2,12
